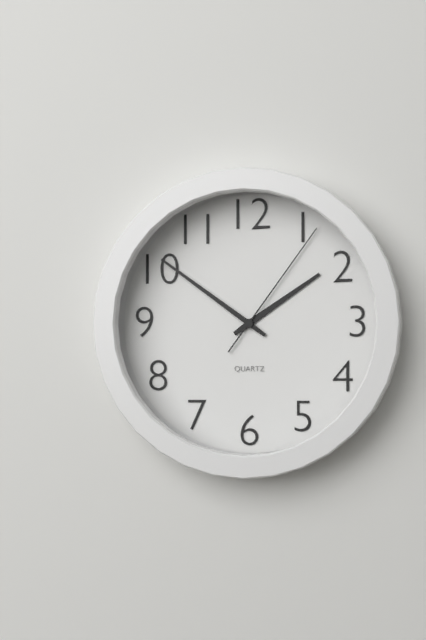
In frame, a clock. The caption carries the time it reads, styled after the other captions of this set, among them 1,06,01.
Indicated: 1,51,06
